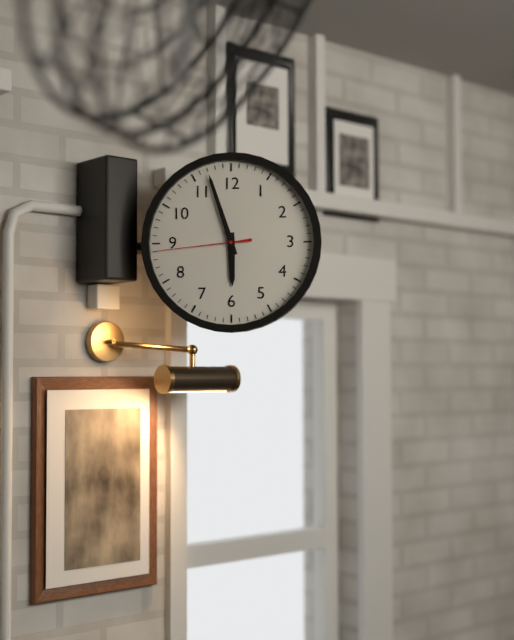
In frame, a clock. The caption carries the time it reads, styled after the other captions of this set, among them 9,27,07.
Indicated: 5,57,44
